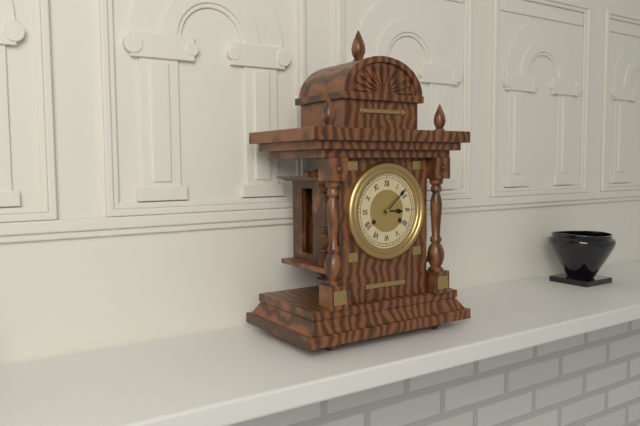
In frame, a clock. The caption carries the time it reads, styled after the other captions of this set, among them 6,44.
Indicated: 3,08
